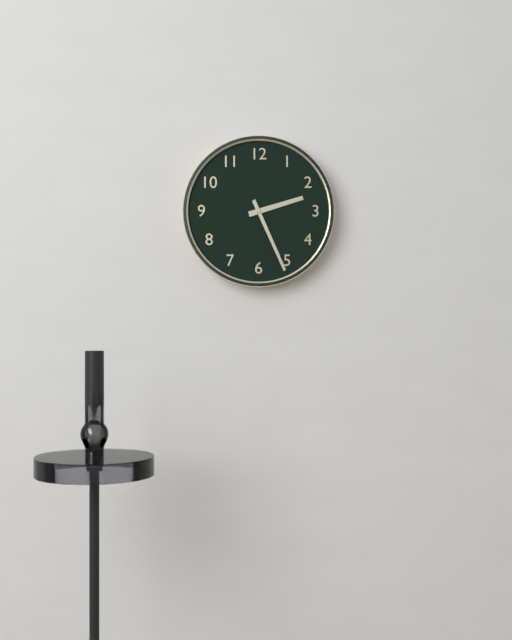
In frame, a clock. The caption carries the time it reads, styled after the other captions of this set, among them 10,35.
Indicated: 2,26
